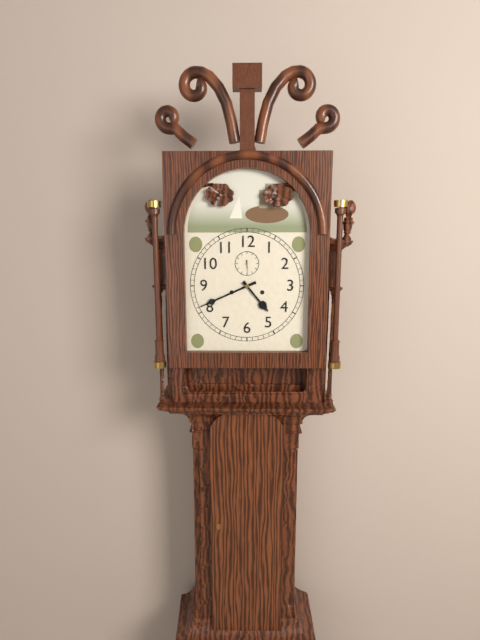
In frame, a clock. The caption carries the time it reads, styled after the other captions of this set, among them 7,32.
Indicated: 4,41
